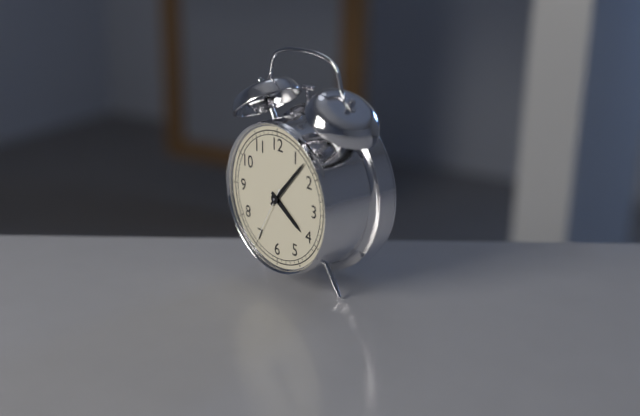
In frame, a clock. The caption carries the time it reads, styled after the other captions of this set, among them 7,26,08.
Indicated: 4,07,35
